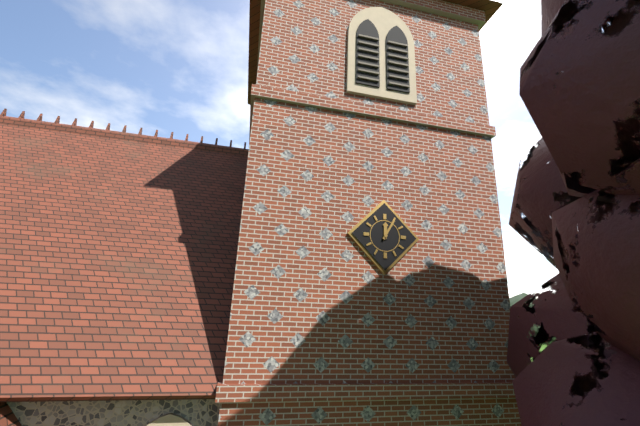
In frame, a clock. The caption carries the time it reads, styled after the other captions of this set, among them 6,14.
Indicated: 12,05
